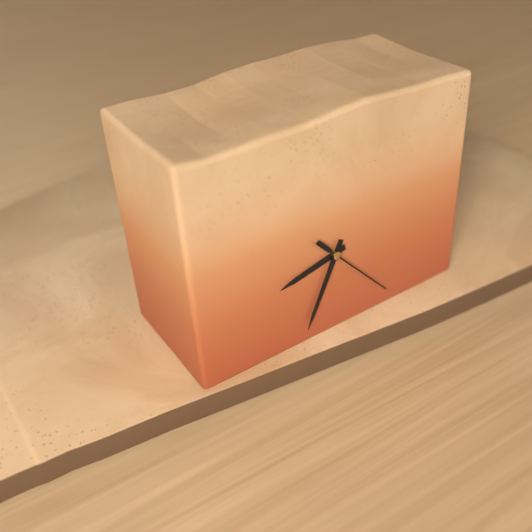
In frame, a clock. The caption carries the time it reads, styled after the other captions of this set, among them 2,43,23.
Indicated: 8,34,23
